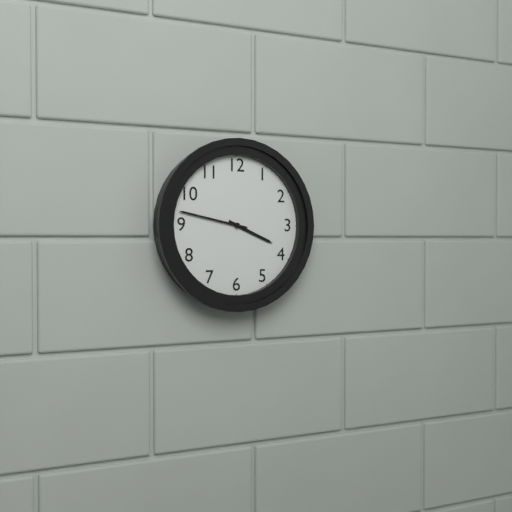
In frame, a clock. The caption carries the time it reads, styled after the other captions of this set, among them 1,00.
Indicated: 3,47
